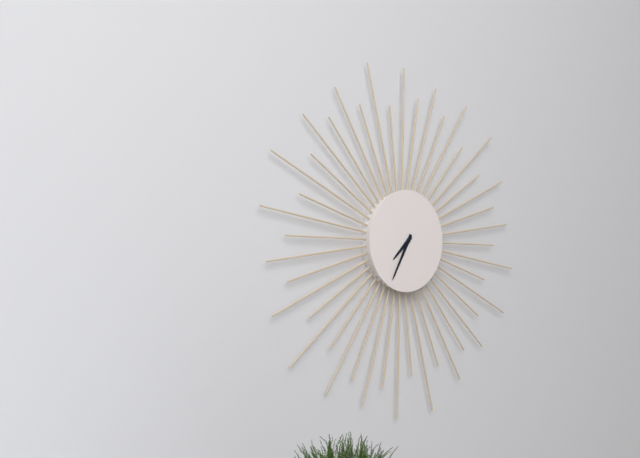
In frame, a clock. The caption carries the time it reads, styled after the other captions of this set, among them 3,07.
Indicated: 7,35
